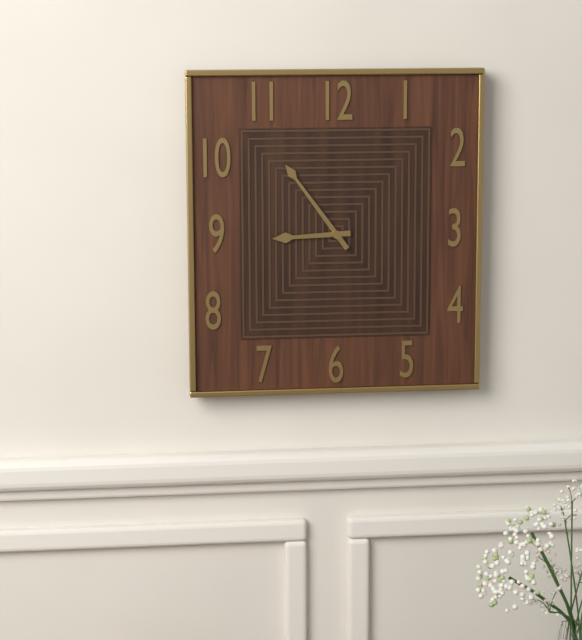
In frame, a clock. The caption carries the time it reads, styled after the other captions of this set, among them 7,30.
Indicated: 8,54
